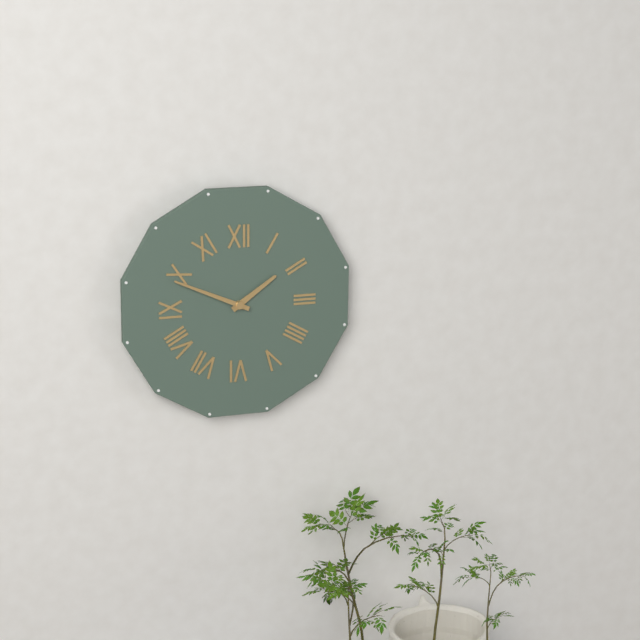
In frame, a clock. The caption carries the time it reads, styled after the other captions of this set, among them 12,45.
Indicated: 1,49
